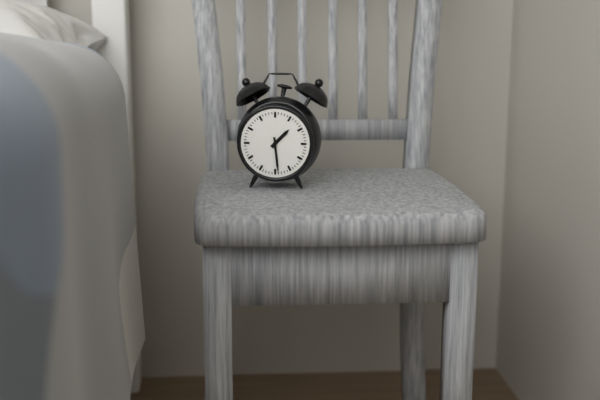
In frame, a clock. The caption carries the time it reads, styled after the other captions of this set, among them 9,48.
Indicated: 1,29
